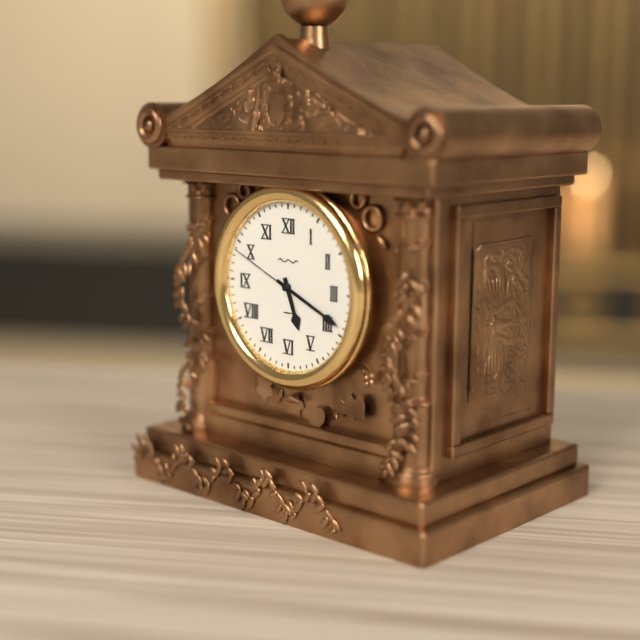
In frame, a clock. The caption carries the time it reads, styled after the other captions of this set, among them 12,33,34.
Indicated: 5,19,49
